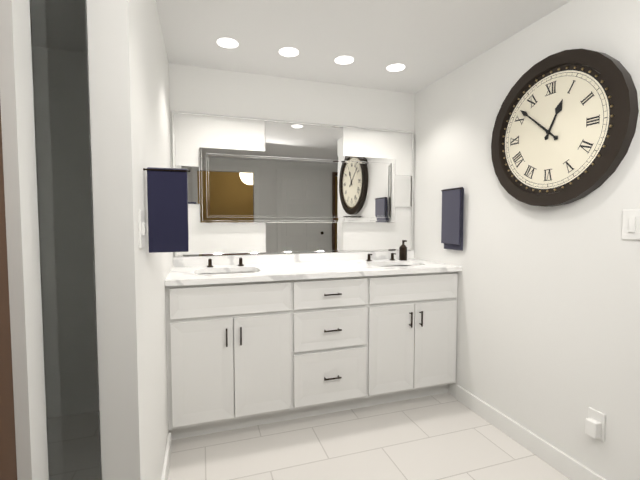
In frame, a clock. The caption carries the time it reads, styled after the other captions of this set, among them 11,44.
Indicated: 12,52
